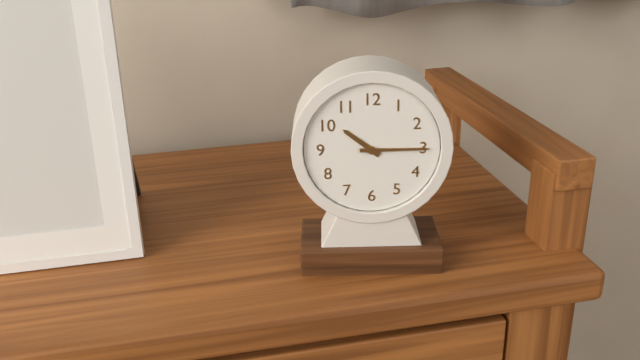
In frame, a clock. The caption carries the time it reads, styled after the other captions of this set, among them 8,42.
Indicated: 10,15
